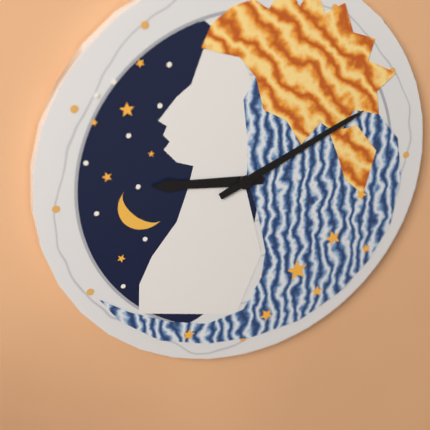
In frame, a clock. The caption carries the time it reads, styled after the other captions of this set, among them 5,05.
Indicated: 9,11
